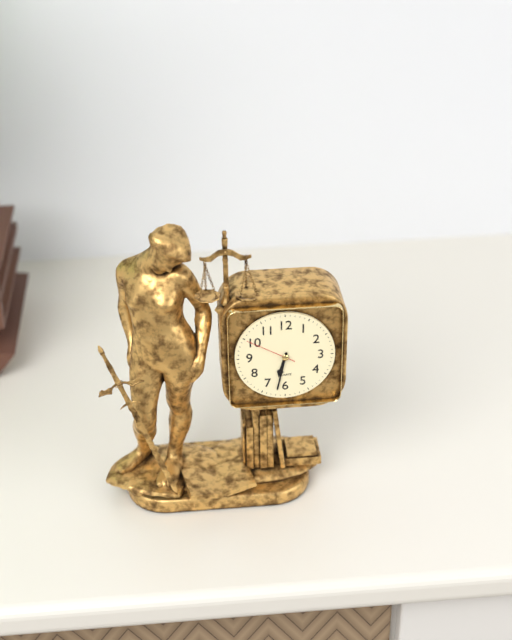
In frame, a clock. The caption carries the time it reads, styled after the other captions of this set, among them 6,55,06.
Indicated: 6,32,50
